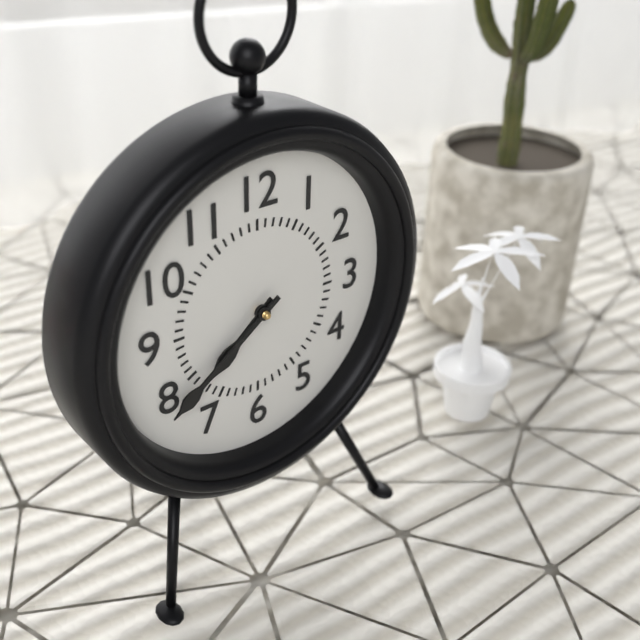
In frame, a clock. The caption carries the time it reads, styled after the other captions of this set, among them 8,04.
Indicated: 7,39
